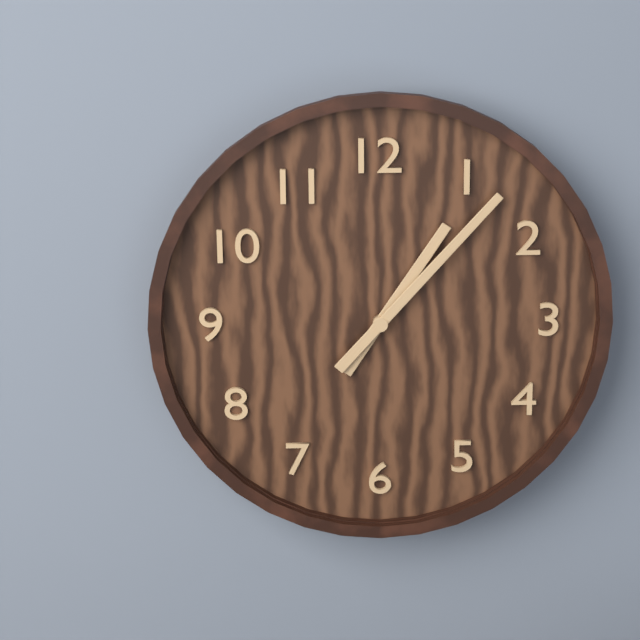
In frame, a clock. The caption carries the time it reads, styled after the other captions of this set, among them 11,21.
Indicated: 1,07
